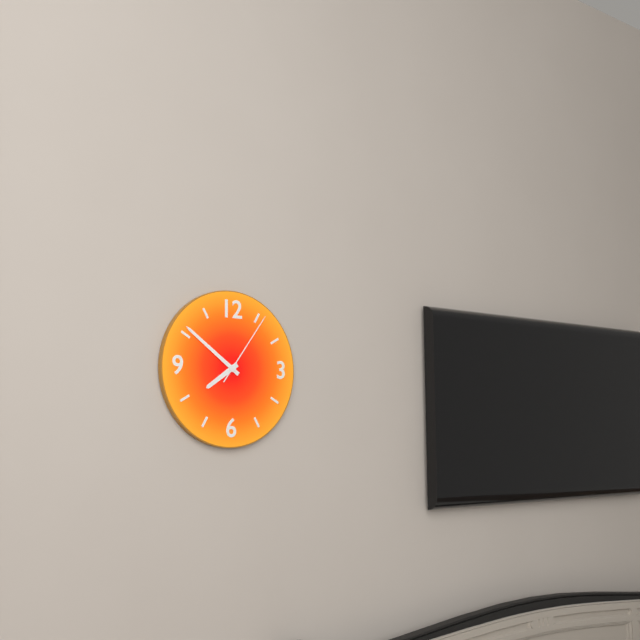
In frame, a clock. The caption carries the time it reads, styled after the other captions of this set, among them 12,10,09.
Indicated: 7,51,06
